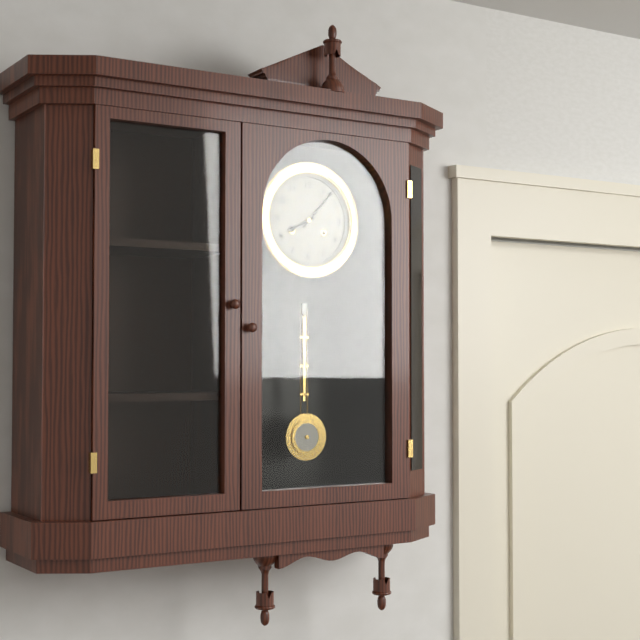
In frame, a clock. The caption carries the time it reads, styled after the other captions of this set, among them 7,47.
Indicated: 8,07
